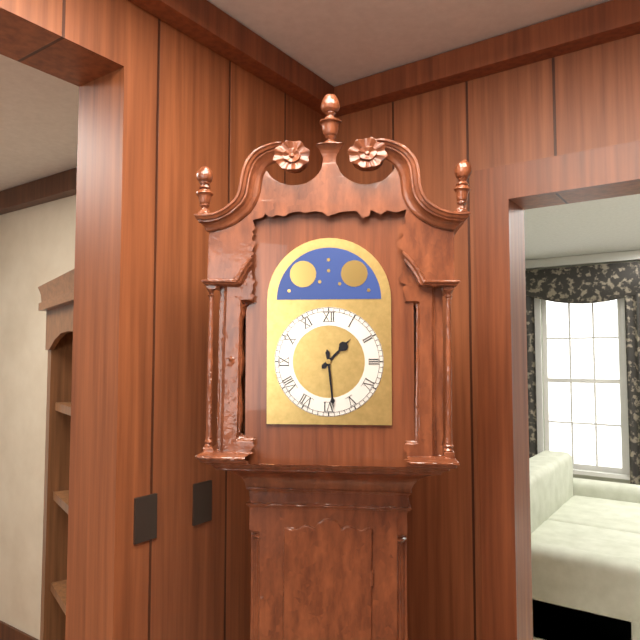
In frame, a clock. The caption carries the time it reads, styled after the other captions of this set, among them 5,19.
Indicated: 1,29
